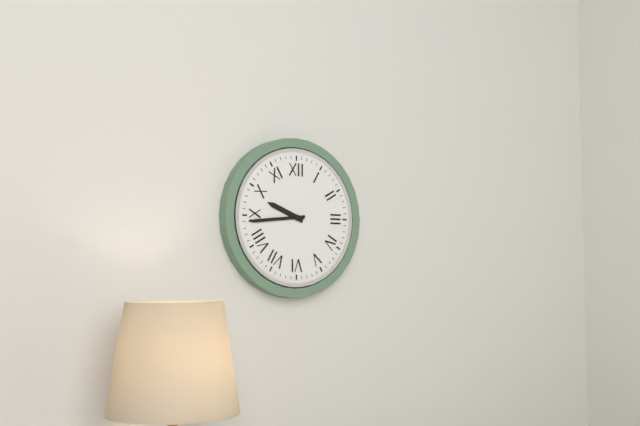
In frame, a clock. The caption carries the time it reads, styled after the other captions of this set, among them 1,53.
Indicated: 9,44
